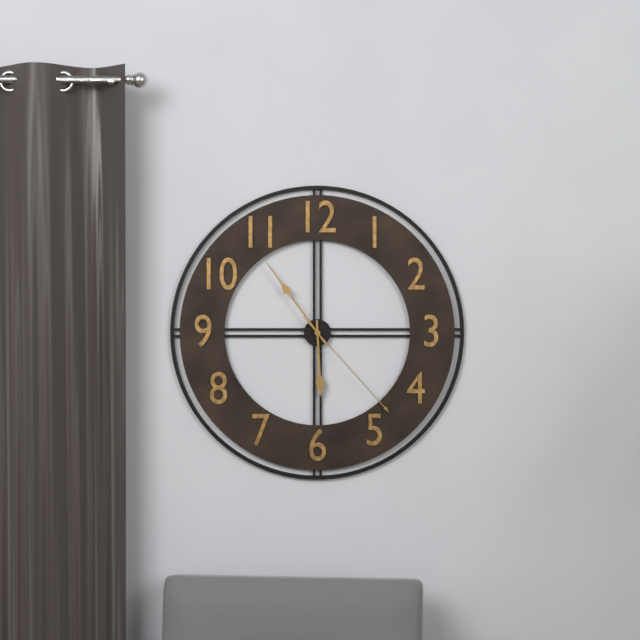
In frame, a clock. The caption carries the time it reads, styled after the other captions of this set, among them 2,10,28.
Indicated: 5,54,23
